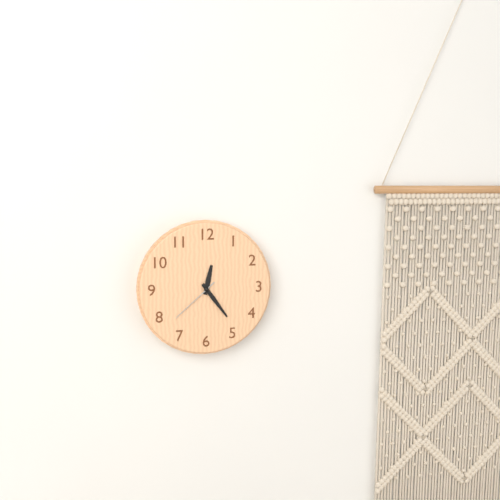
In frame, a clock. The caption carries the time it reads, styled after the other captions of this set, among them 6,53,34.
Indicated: 12,24,38
